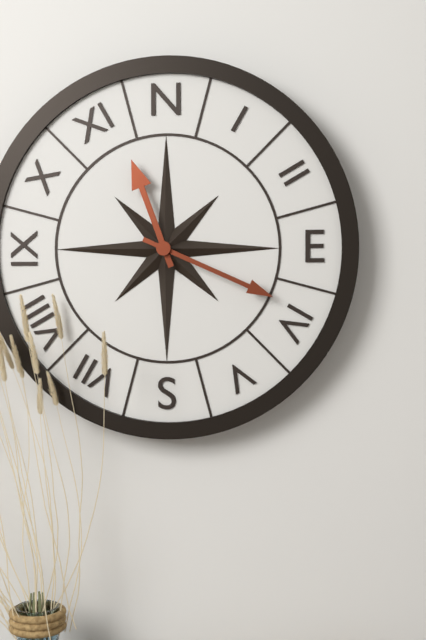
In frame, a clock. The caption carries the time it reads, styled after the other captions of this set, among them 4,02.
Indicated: 11,19
